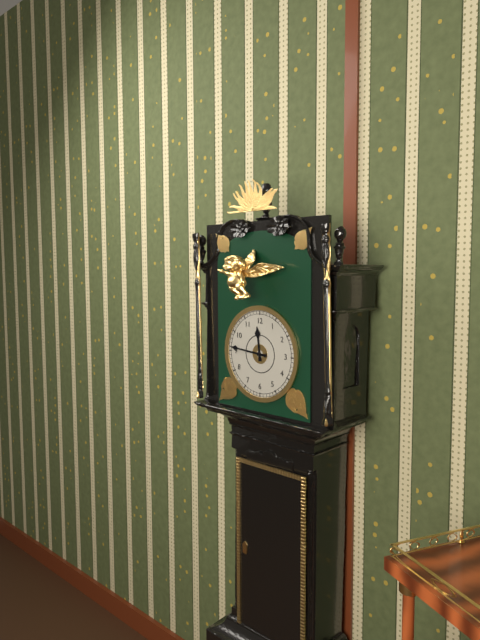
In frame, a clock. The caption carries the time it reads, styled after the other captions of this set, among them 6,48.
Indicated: 11,46
